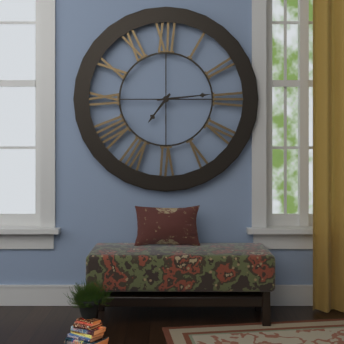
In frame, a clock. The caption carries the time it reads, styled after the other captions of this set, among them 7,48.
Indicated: 7,14
